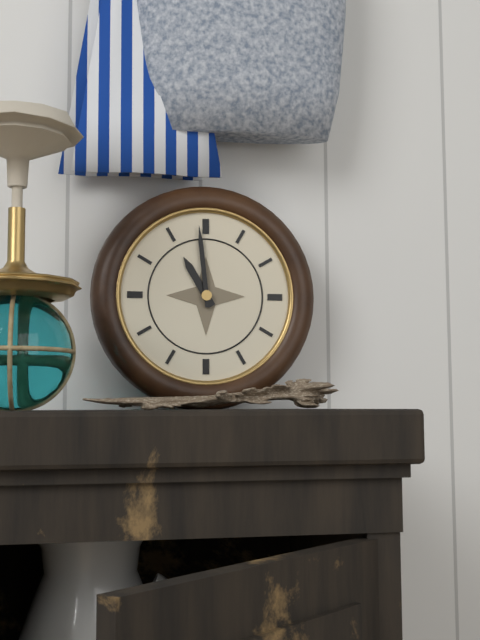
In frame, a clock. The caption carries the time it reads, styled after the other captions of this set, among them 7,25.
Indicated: 10,59
